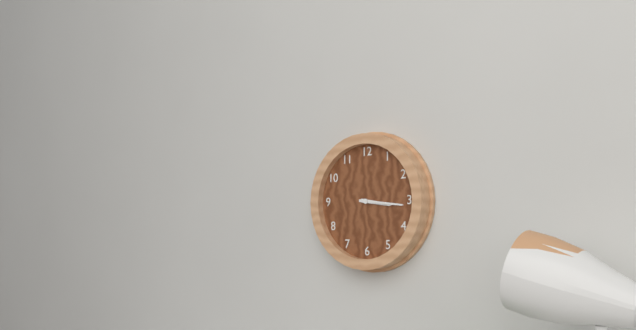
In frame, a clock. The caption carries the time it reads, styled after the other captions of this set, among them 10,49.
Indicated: 3,16
